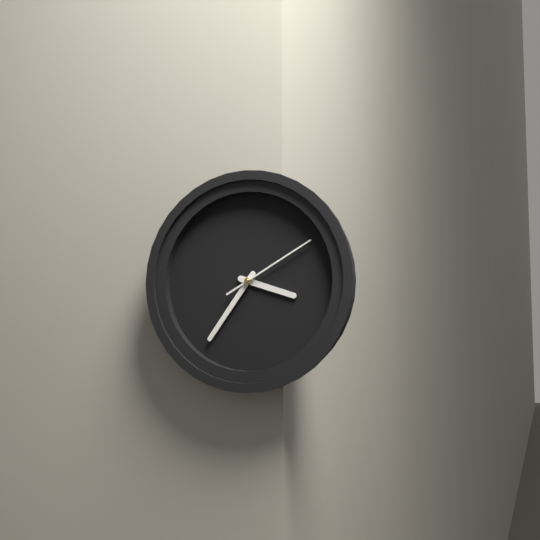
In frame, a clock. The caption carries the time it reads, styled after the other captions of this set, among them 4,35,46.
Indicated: 3,36,10
